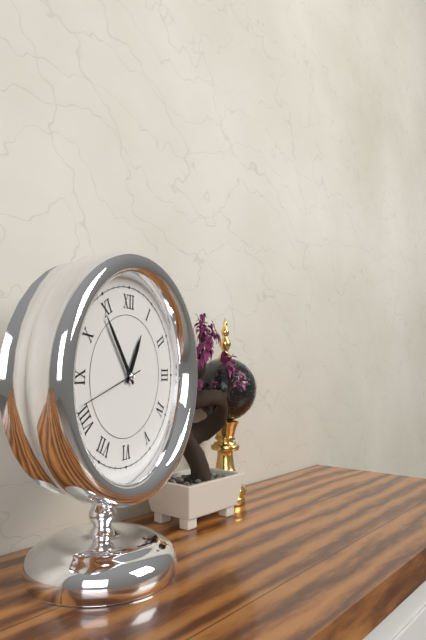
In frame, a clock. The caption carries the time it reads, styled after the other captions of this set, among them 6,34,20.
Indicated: 12,54,42
